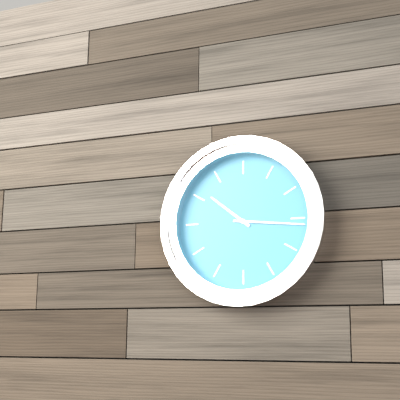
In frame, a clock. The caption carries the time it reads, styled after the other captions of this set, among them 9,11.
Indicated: 10,16
